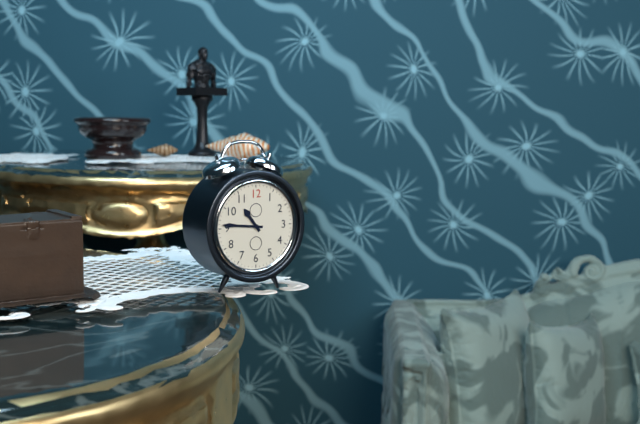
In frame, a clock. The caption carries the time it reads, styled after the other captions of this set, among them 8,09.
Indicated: 10,46
